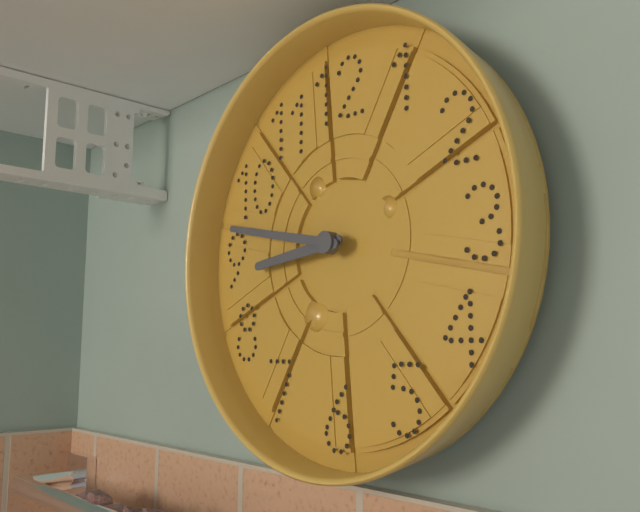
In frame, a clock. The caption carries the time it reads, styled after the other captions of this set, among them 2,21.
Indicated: 8,47
